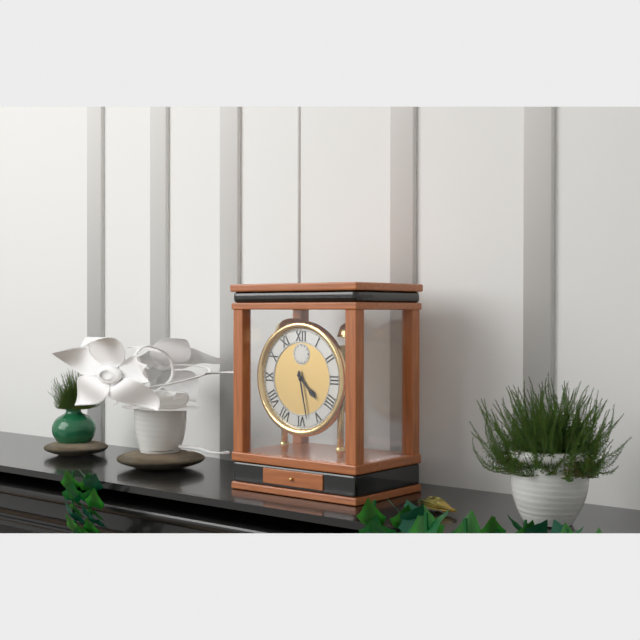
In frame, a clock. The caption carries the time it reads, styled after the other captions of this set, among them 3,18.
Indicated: 4,28
